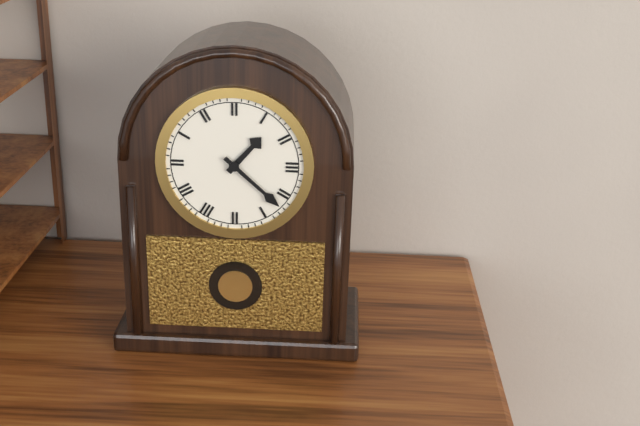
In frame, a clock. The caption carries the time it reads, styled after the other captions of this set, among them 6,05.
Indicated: 1,22
